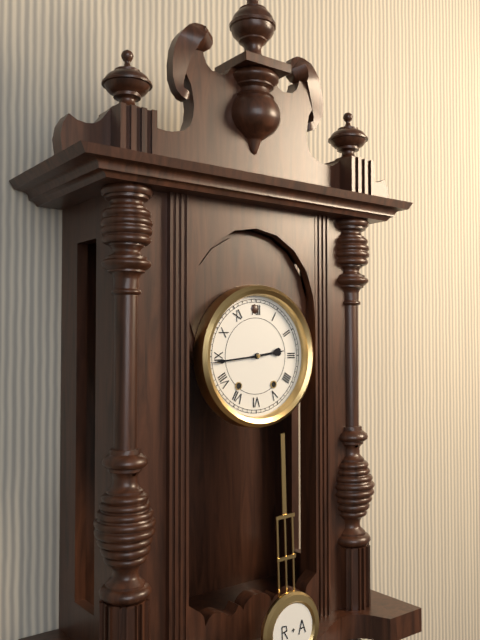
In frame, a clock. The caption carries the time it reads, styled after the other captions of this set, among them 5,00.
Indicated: 2,44
